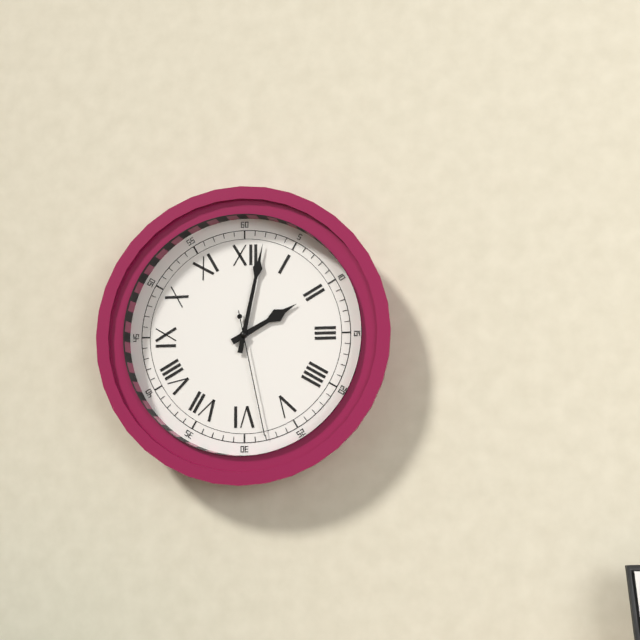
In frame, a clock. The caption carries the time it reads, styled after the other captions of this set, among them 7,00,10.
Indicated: 2,02,28
